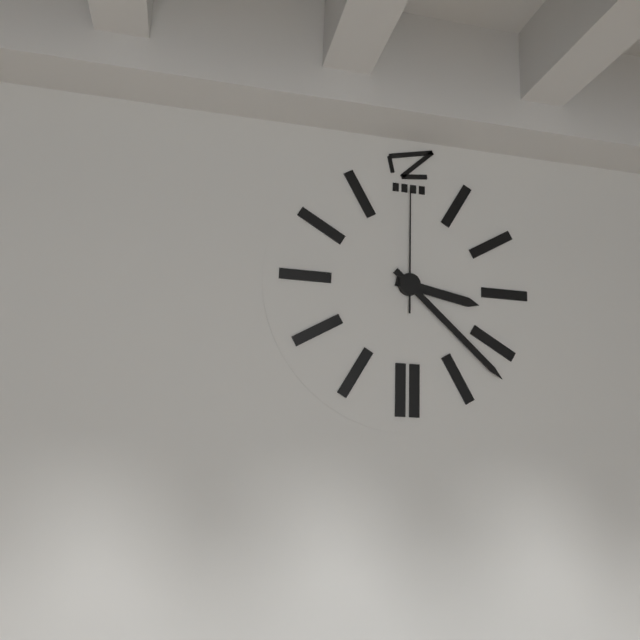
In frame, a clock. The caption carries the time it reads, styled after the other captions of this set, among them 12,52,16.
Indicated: 3,22,00
